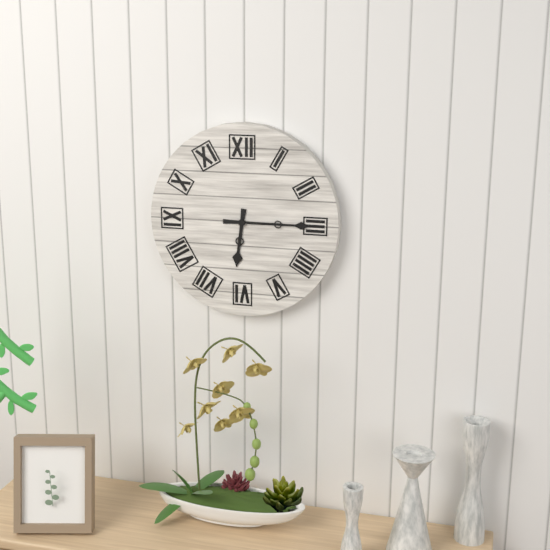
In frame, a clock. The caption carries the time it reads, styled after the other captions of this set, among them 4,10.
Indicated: 6,15
